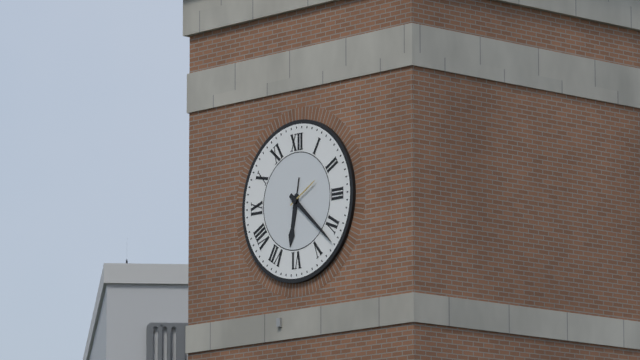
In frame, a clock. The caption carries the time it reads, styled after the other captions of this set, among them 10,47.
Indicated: 6,22
